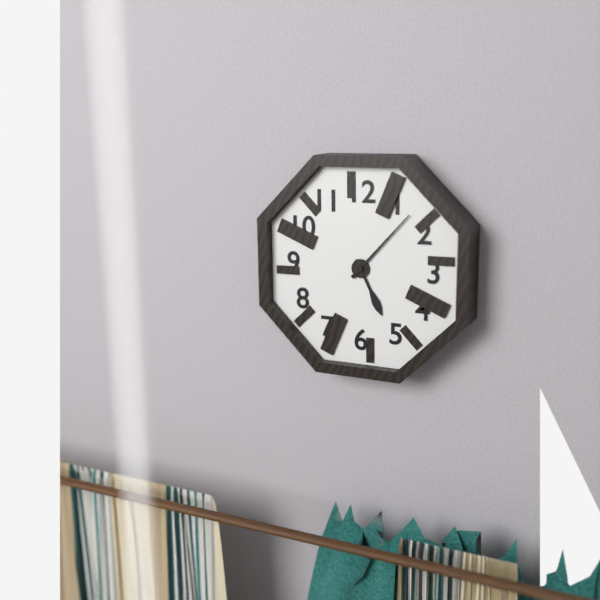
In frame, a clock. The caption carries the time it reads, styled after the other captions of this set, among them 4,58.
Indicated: 5,07
